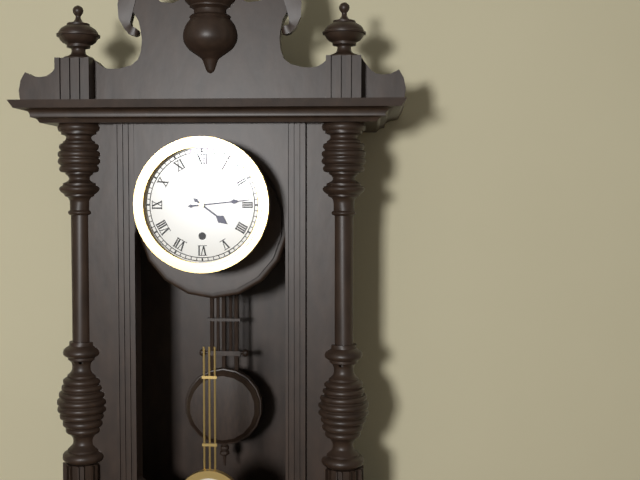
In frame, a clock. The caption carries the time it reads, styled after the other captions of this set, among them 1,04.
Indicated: 4,14
